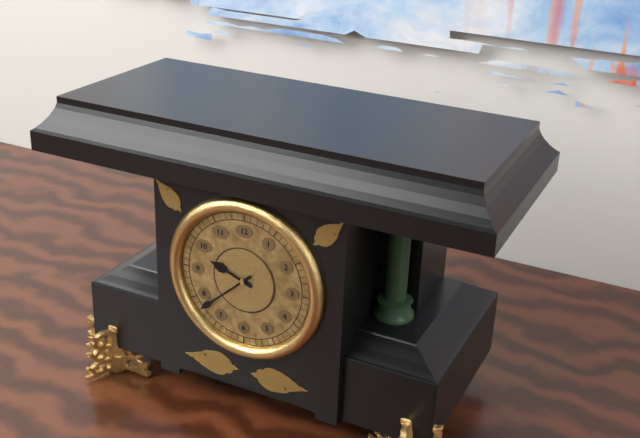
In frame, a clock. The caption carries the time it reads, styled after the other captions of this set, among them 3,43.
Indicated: 9,38
